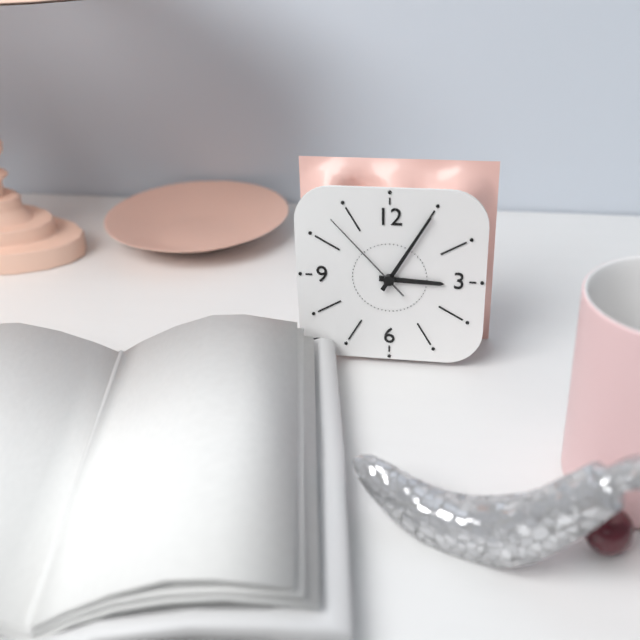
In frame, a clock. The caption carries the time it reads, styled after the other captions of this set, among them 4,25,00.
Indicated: 3,05,53
